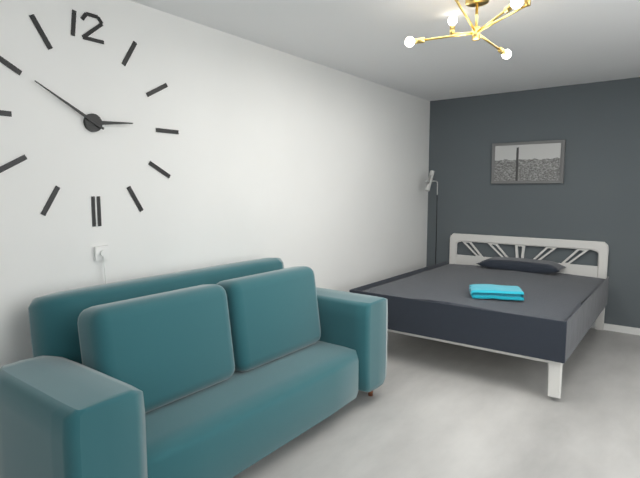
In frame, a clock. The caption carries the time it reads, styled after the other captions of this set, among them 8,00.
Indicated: 2,50
